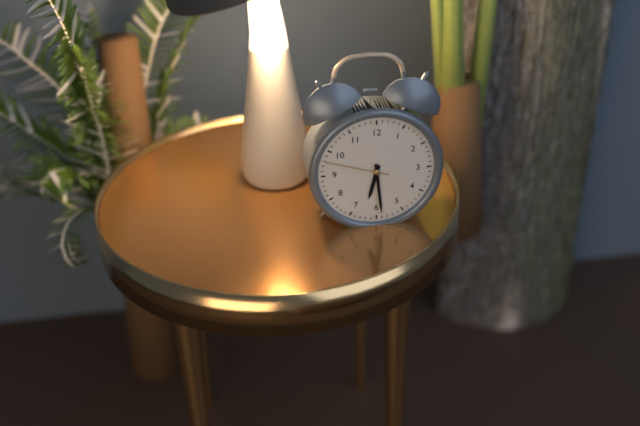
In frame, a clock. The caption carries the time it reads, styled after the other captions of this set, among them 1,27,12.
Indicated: 6,29,48
